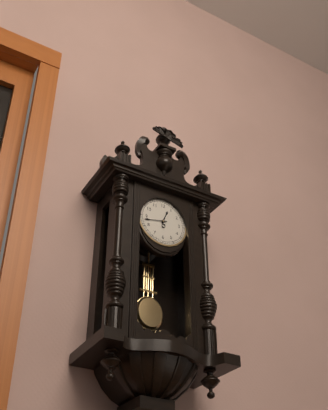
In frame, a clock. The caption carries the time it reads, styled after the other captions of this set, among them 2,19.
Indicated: 12,43
